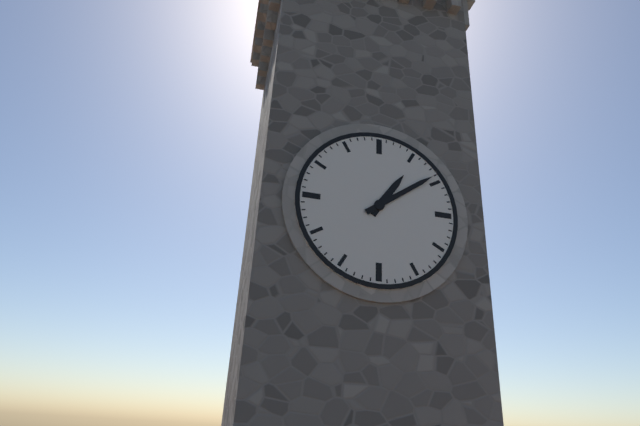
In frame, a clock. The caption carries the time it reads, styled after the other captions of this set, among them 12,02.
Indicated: 1,09
